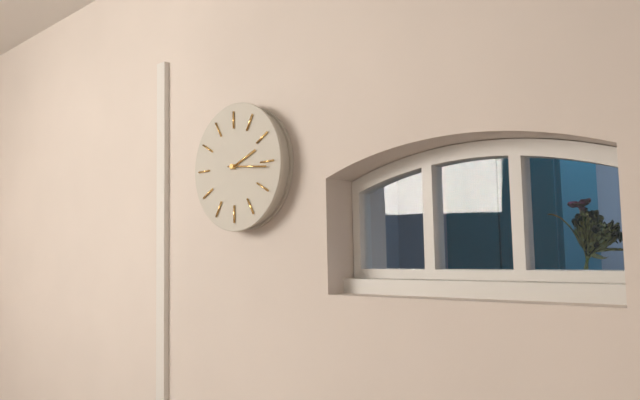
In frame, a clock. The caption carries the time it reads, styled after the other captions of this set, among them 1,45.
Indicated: 2,16
